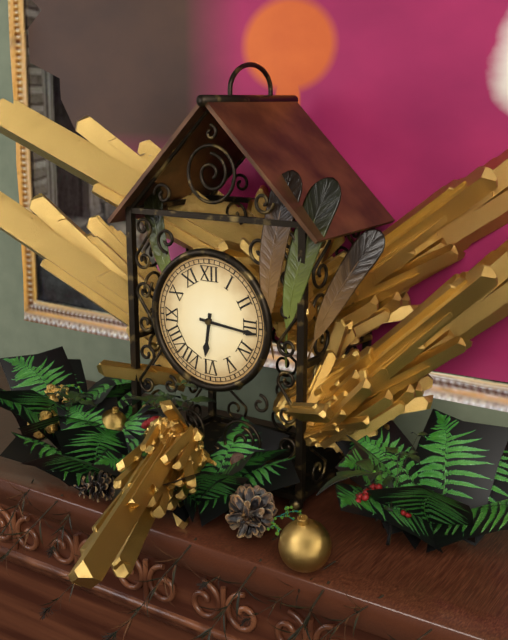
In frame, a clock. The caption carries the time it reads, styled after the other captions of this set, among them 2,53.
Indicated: 6,16
